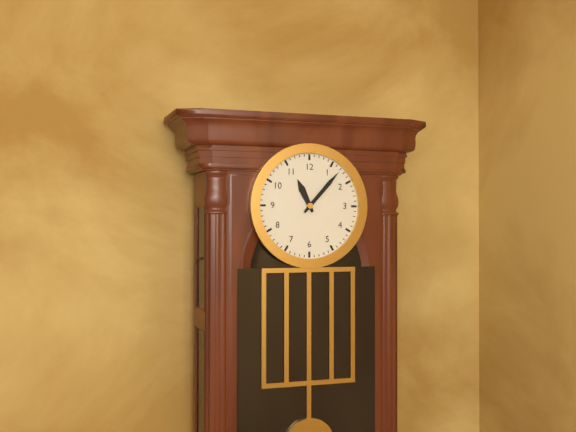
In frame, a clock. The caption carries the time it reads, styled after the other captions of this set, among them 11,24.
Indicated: 11,07
